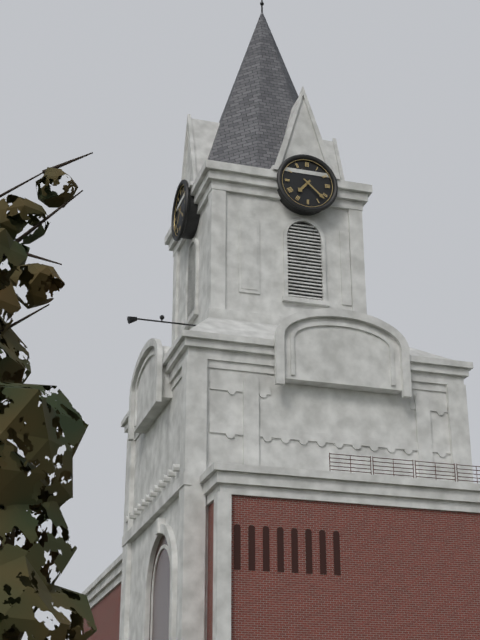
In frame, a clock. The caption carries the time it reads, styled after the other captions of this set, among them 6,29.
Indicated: 7,22
